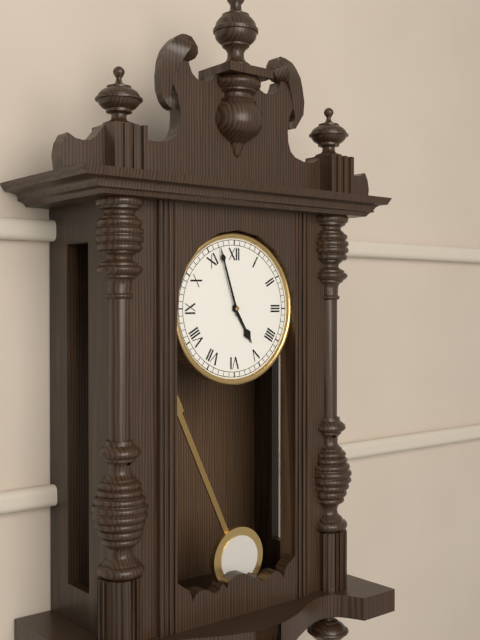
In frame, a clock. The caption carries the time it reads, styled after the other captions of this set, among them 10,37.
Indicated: 4,57
